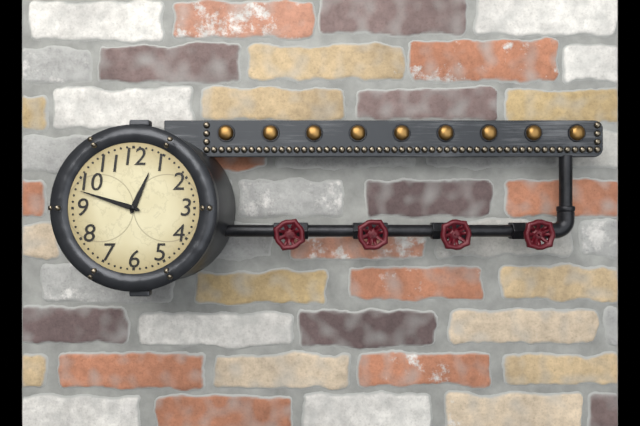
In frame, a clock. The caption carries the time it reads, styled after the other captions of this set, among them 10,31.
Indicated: 12,48
